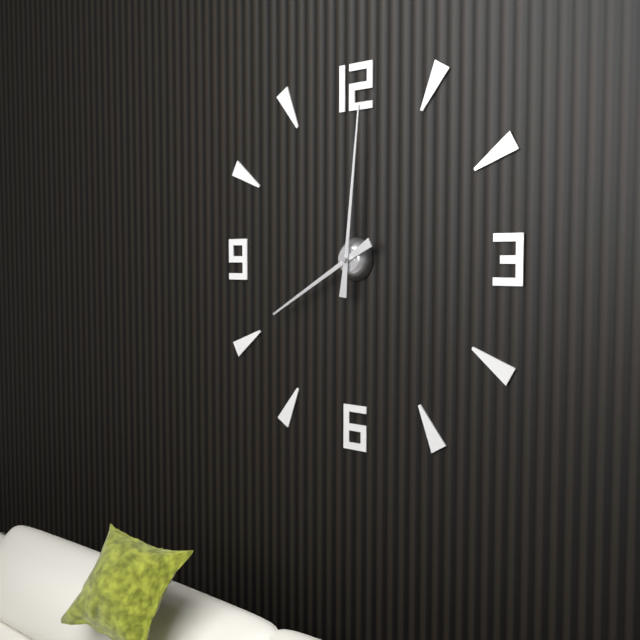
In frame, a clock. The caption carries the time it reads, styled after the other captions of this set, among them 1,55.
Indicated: 8,01
